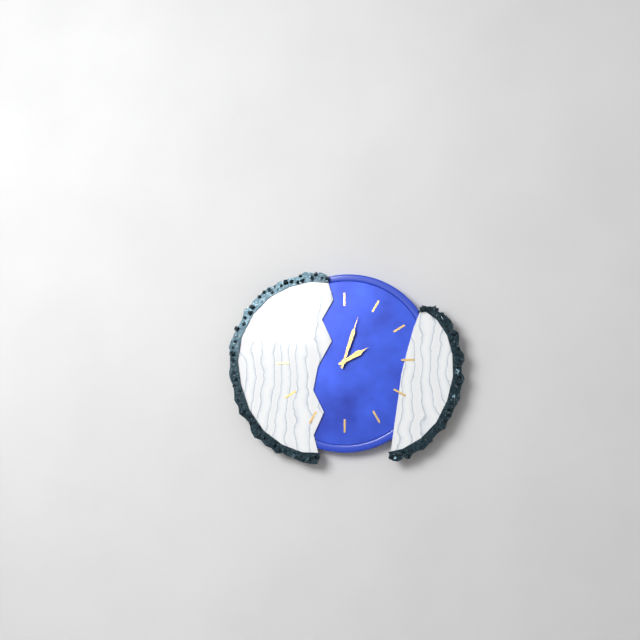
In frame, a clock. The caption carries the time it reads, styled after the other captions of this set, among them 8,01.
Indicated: 2,03
